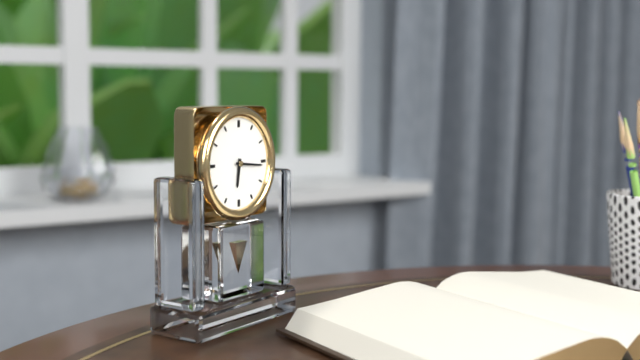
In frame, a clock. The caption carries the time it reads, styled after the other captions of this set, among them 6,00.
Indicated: 6,16
